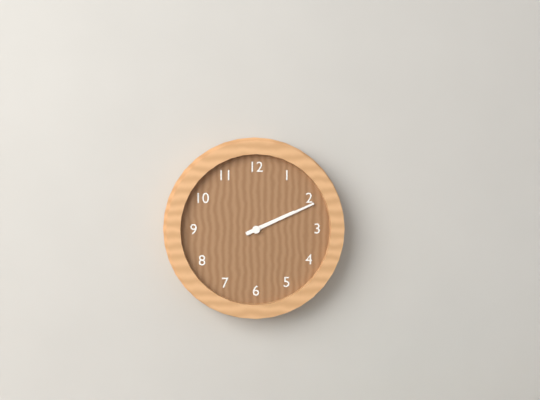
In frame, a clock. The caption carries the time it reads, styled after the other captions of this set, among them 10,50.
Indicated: 2,11
